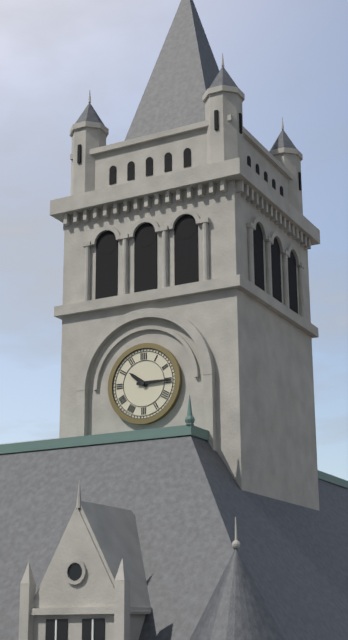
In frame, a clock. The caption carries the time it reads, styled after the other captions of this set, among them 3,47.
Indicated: 10,15
